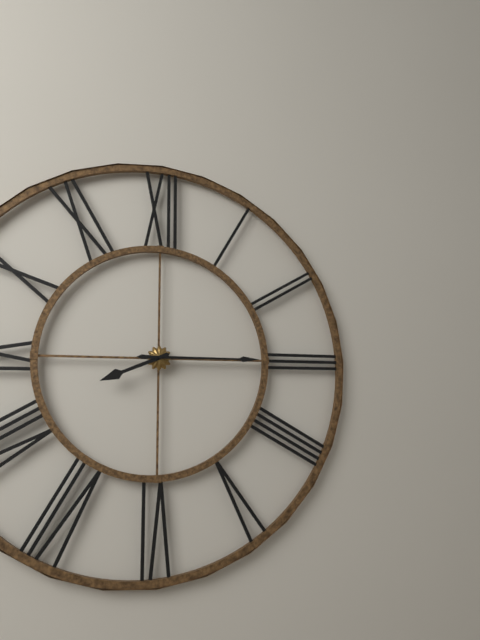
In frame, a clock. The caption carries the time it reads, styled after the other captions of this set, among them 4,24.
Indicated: 8,15
